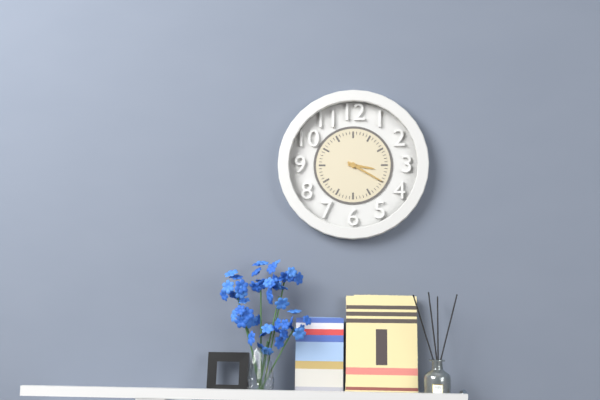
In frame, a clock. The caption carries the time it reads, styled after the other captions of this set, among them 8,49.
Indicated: 3,20
